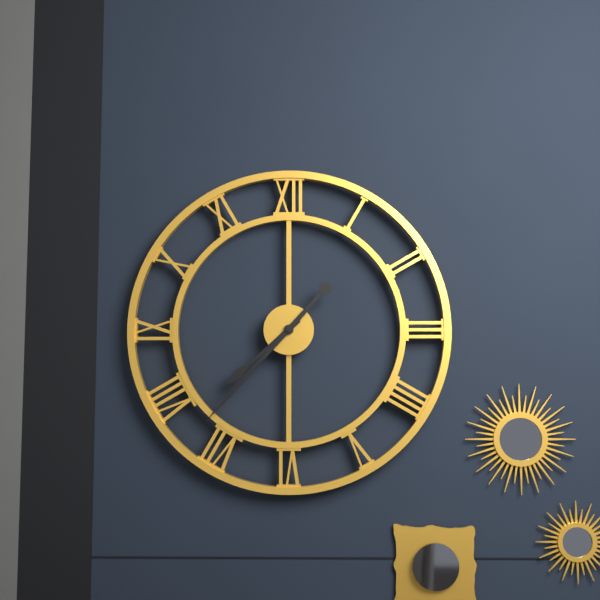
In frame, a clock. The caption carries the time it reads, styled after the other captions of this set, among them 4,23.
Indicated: 7,37
